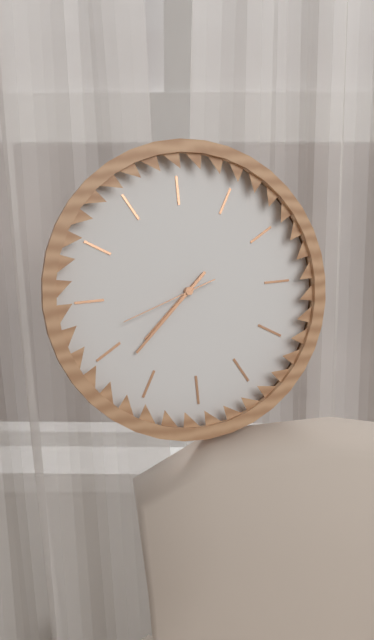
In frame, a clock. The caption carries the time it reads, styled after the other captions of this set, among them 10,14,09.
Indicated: 7,38,42
